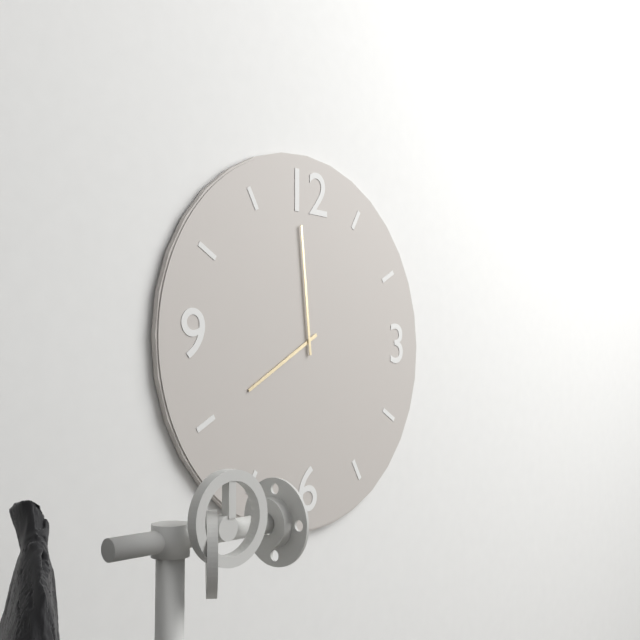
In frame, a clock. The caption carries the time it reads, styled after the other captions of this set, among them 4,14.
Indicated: 7,59
